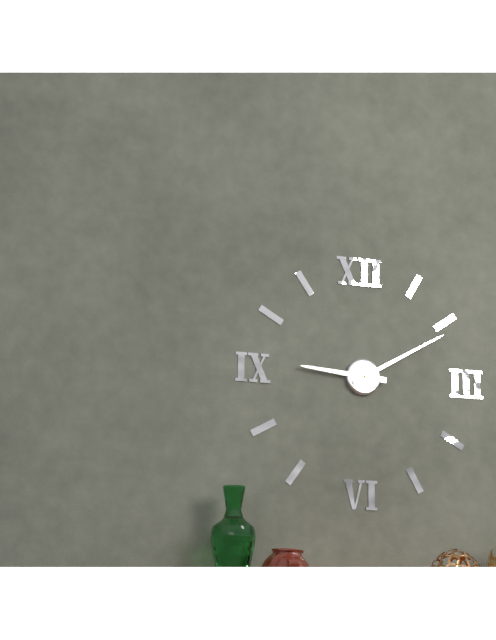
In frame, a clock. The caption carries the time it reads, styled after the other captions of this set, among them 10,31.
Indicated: 9,10
